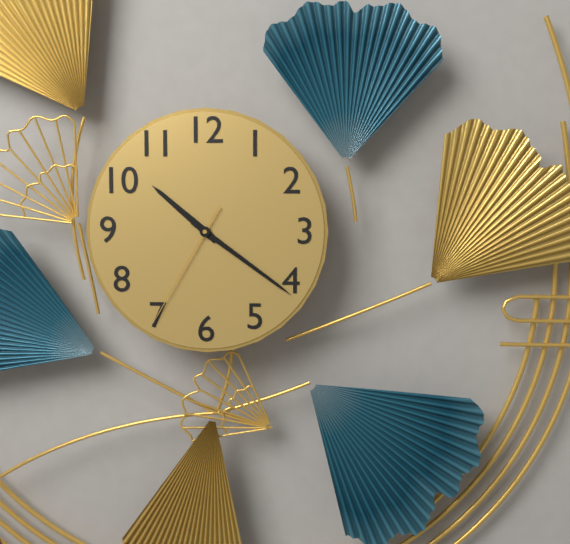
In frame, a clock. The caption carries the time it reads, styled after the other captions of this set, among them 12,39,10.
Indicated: 10,21,35
